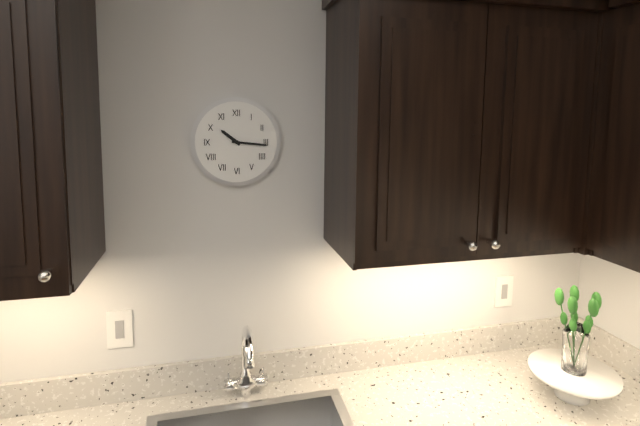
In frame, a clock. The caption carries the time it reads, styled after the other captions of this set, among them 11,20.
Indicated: 10,16
